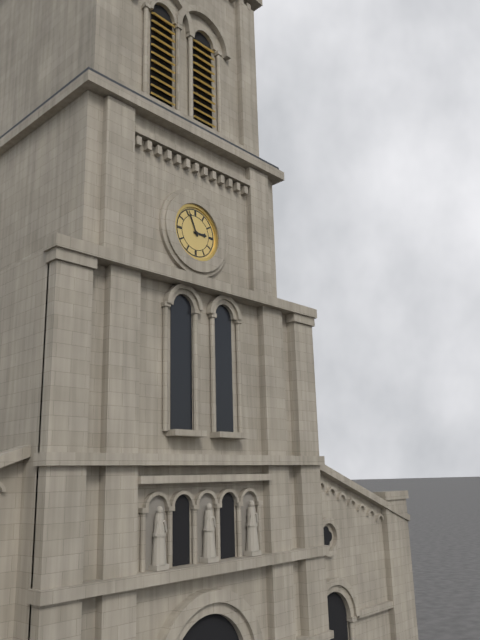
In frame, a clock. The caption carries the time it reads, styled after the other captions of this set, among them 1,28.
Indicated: 2,56
